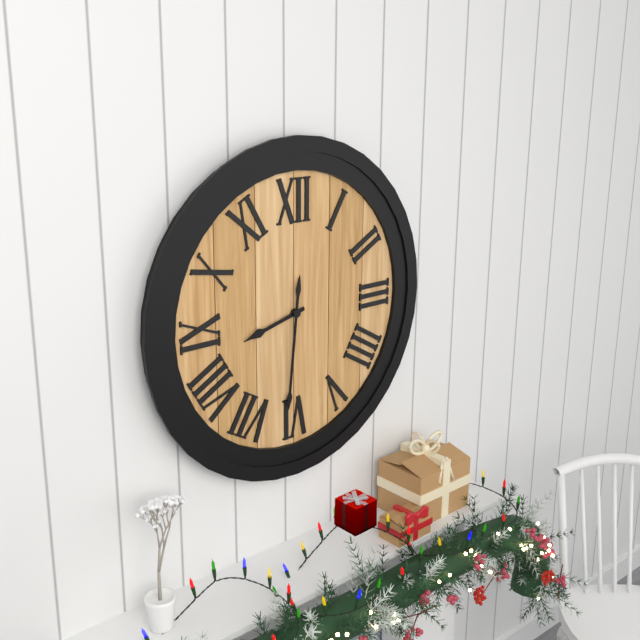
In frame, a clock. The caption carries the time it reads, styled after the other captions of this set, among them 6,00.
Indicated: 8,31
